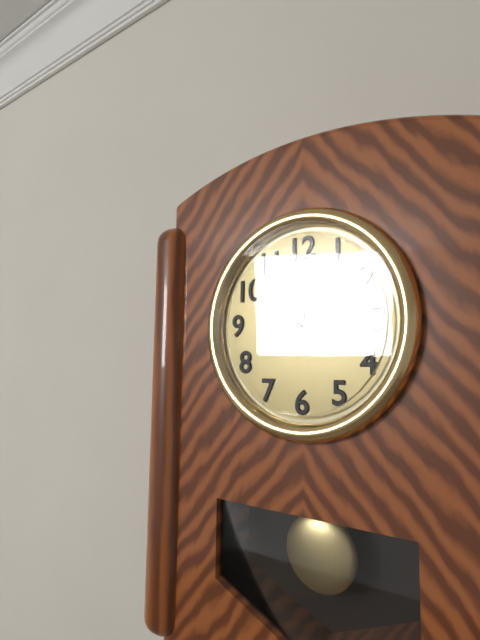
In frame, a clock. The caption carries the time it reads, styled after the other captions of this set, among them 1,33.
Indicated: 12,16
